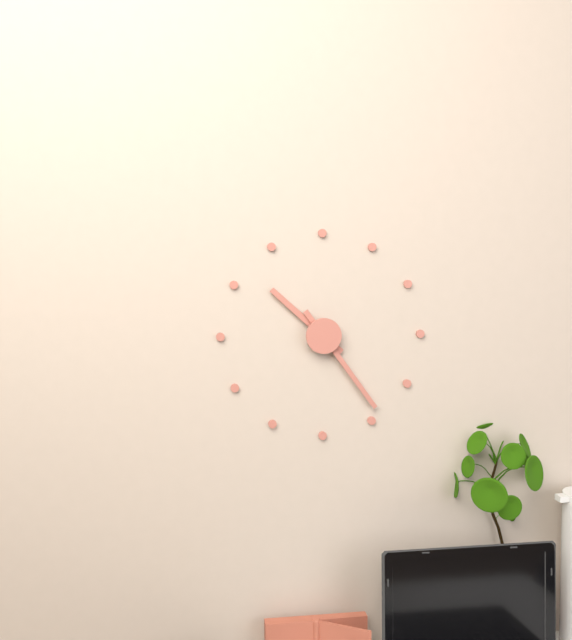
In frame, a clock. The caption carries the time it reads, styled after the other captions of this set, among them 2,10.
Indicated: 10,24
